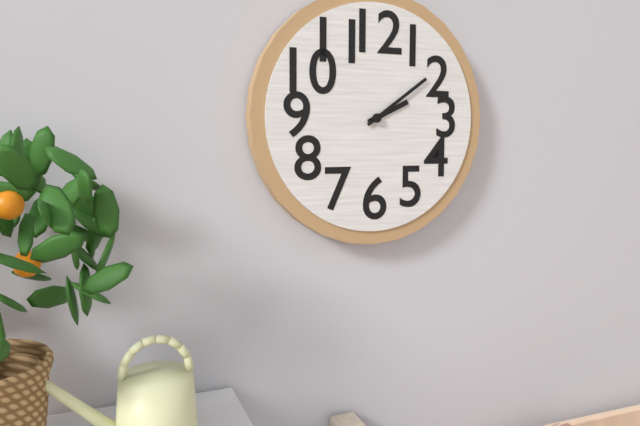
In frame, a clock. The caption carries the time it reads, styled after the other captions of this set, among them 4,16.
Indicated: 2,09
